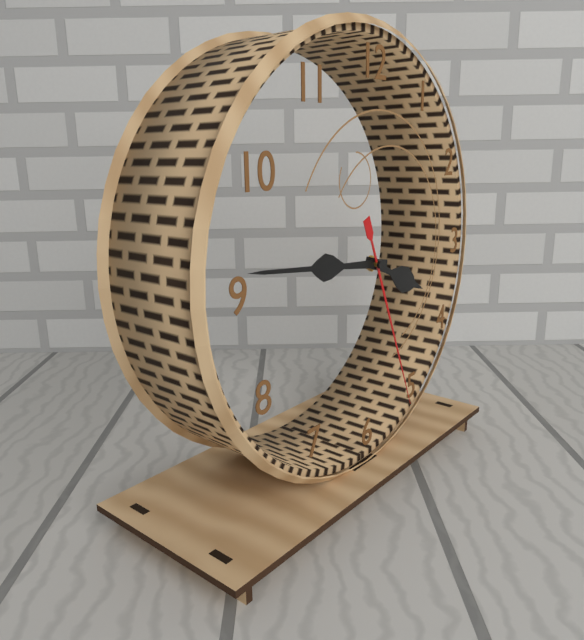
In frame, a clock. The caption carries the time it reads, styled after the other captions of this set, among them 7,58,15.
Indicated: 3,46,26
